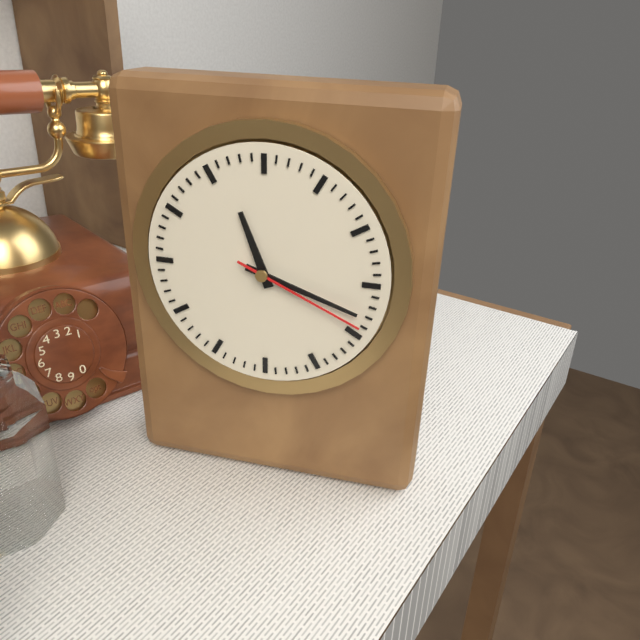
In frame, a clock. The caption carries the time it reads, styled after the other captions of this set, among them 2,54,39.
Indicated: 11,18,19
